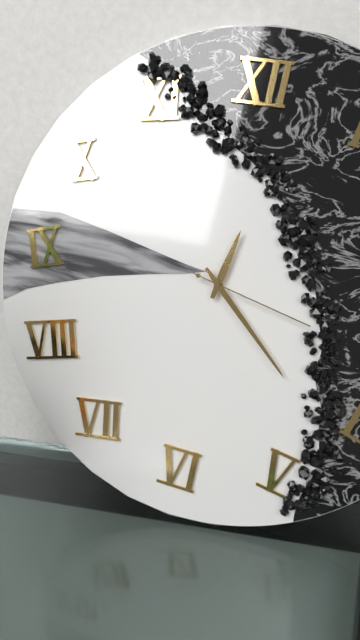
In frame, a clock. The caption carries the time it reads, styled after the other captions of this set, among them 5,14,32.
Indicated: 12,22,17
